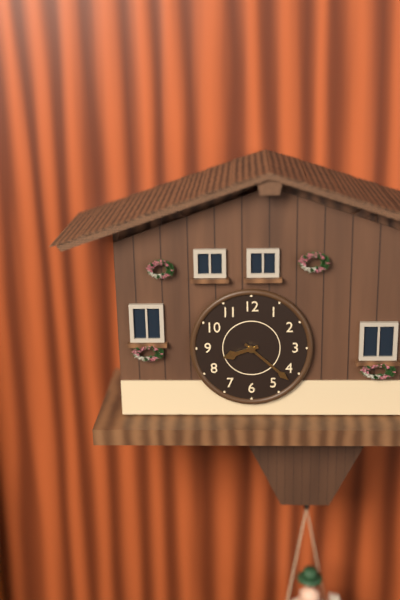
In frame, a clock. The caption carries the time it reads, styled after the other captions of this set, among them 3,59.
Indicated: 8,22
